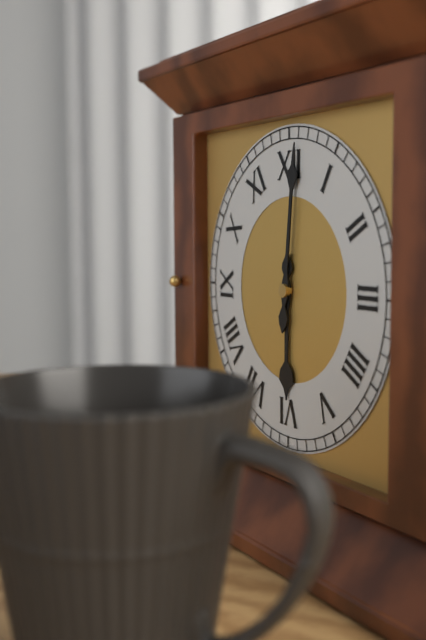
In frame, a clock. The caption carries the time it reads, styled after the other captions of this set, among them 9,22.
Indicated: 6,01
